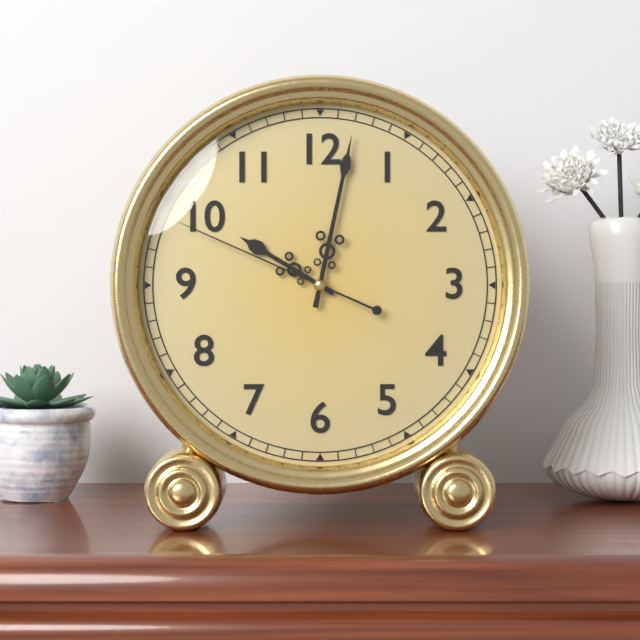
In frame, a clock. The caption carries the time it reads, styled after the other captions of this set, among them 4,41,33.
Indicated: 10,02,49
